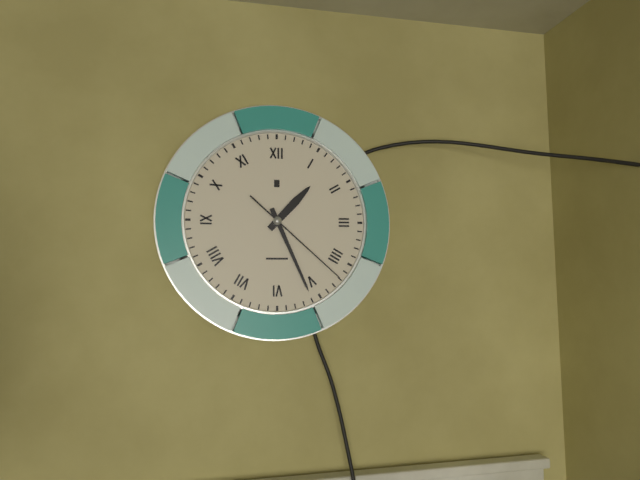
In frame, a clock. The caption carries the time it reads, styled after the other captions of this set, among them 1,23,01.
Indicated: 1,26,22
